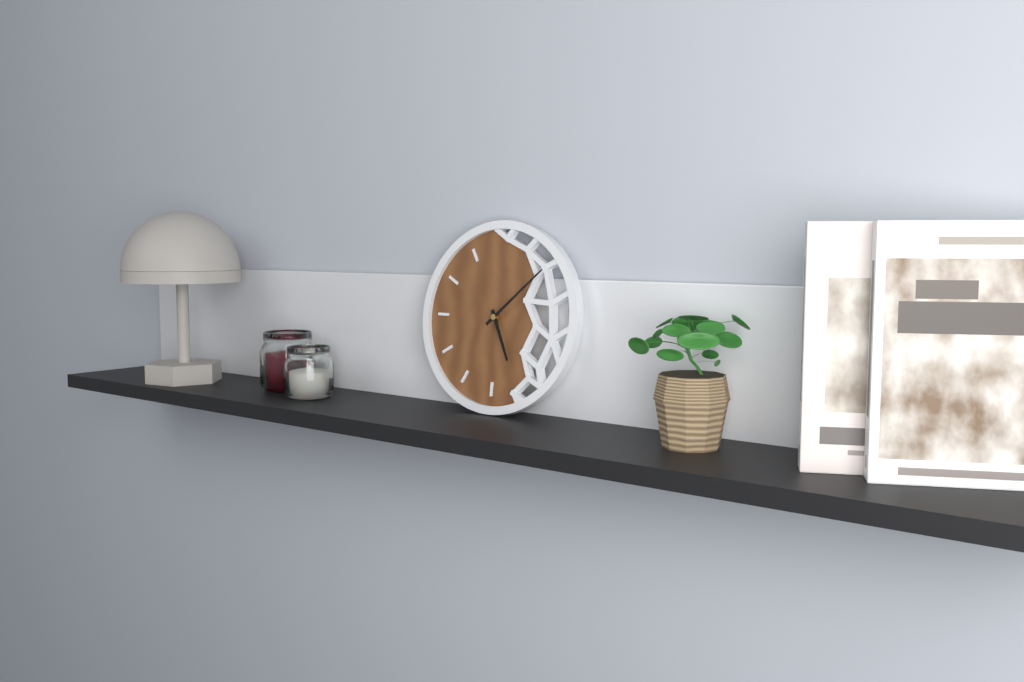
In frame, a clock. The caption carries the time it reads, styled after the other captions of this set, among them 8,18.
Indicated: 5,08
